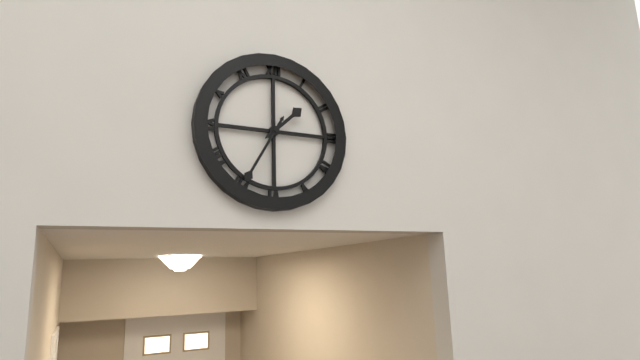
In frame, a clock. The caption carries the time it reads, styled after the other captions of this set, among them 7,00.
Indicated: 1,35
